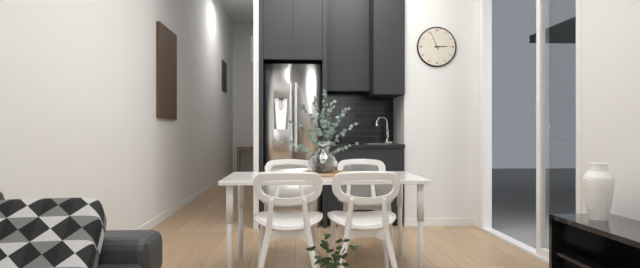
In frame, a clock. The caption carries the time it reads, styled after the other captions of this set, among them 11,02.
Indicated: 2,56
